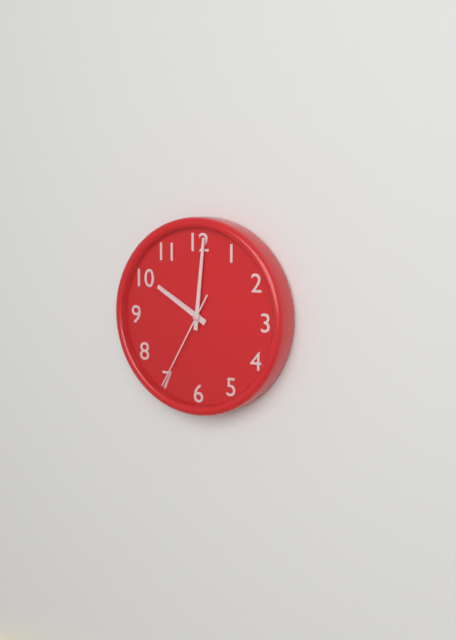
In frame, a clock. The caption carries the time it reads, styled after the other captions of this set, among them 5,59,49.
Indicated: 10,01,35
